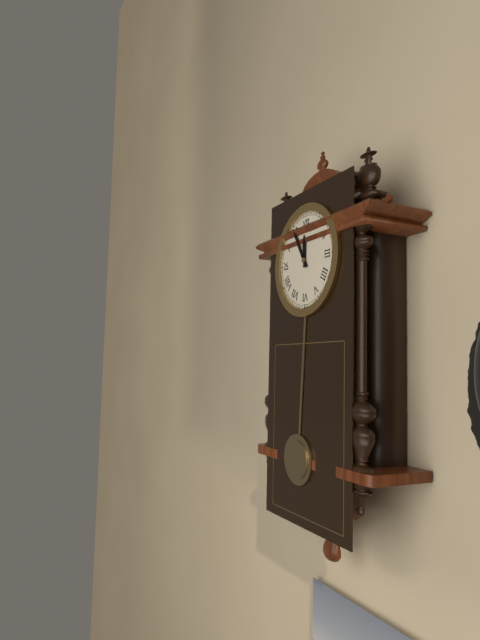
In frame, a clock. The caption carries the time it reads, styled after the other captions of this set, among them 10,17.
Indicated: 11,55
